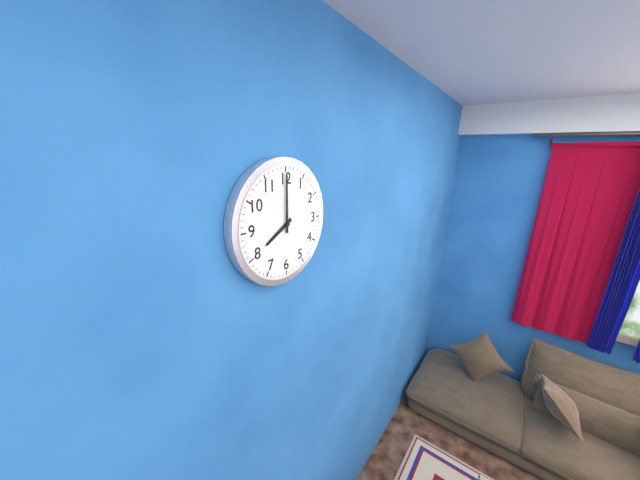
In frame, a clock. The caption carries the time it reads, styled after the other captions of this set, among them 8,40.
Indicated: 8,00
